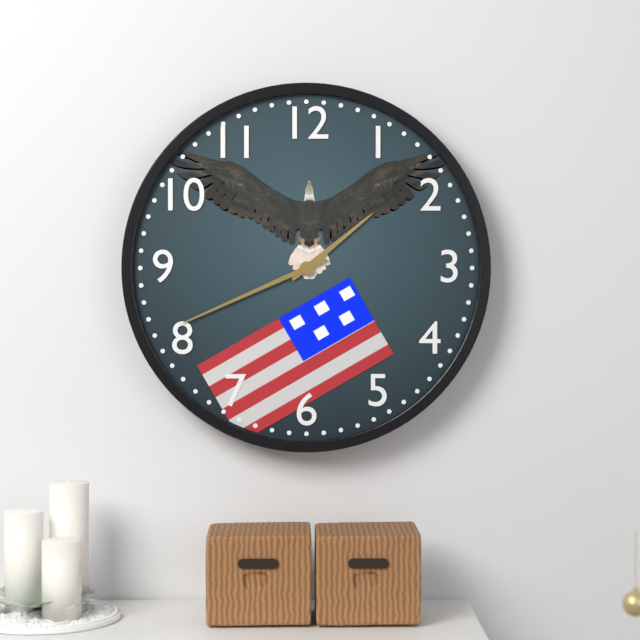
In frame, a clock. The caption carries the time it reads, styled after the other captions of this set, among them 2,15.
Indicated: 1,41
